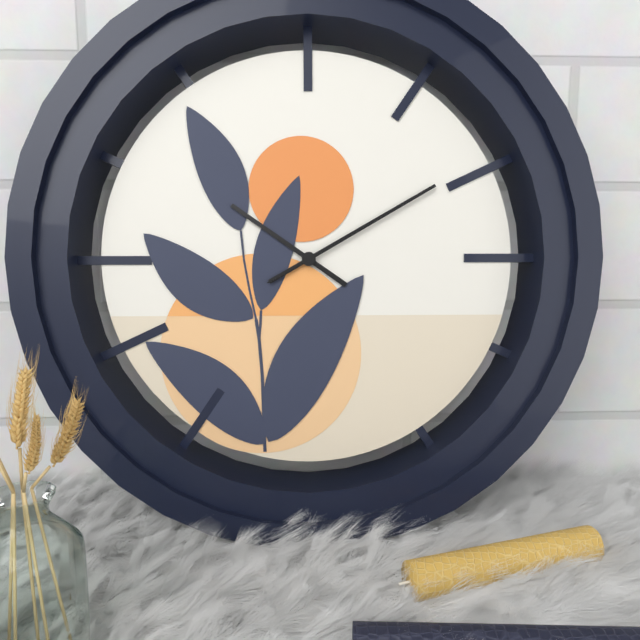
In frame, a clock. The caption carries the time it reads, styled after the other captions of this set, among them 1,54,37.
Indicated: 10,10,10
